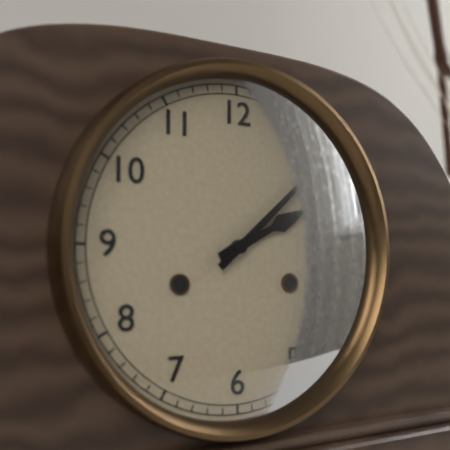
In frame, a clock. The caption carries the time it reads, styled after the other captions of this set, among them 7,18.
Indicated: 2,08
